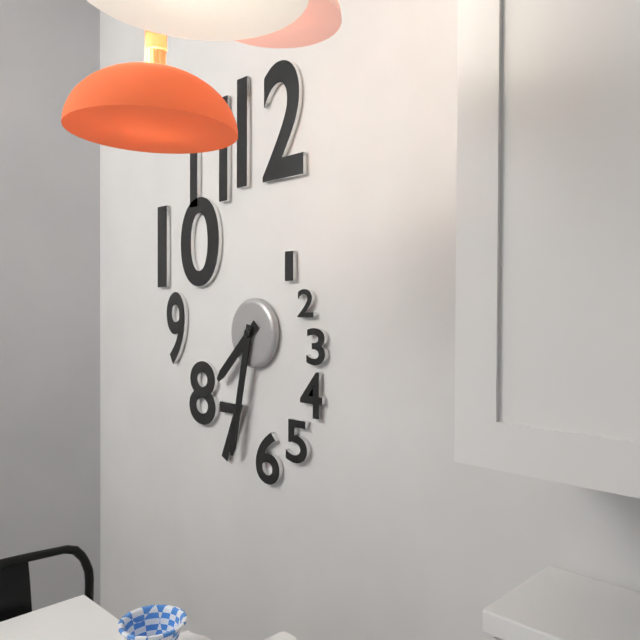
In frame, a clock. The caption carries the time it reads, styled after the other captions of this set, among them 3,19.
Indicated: 7,32
